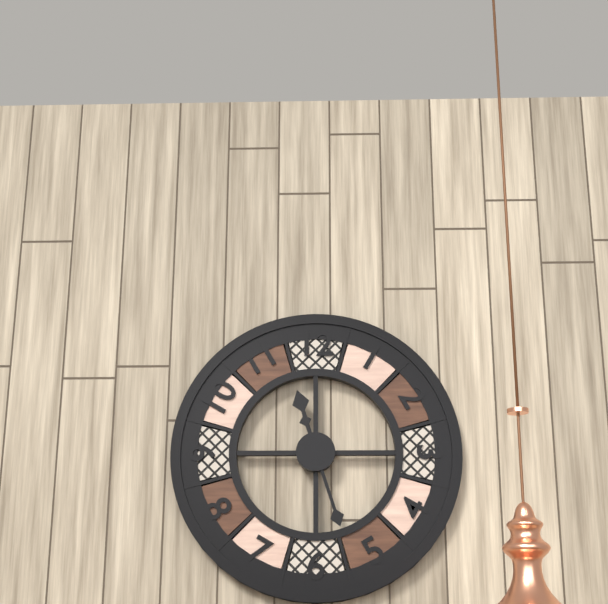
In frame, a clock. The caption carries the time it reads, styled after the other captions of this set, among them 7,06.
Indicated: 11,27
